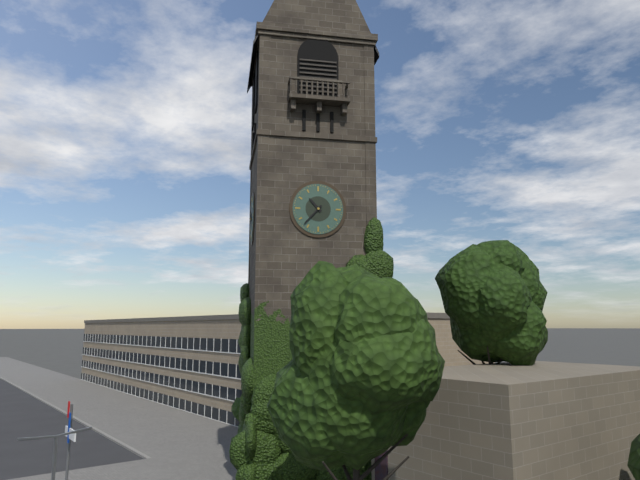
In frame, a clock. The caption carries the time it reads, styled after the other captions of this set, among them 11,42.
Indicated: 10,37
